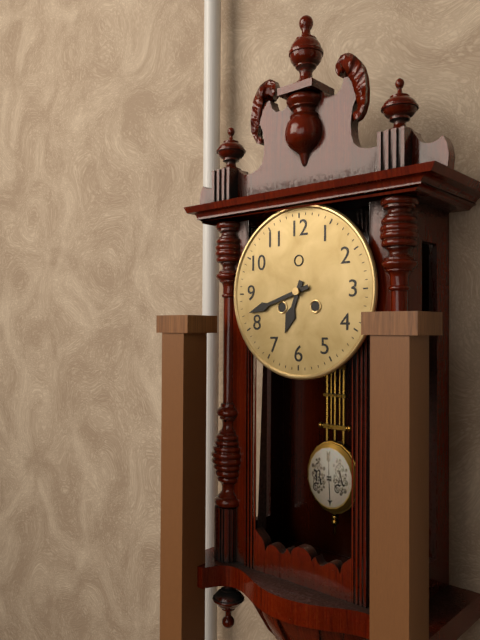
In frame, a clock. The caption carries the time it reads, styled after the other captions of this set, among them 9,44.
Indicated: 6,42
